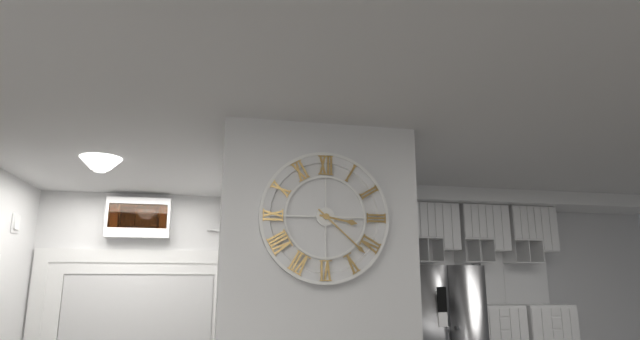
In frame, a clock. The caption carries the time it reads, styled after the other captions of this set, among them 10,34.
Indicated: 3,22
